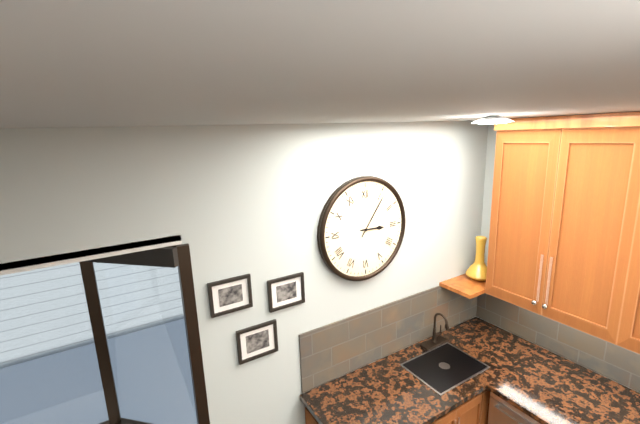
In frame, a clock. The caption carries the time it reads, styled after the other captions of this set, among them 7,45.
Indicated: 3,06
